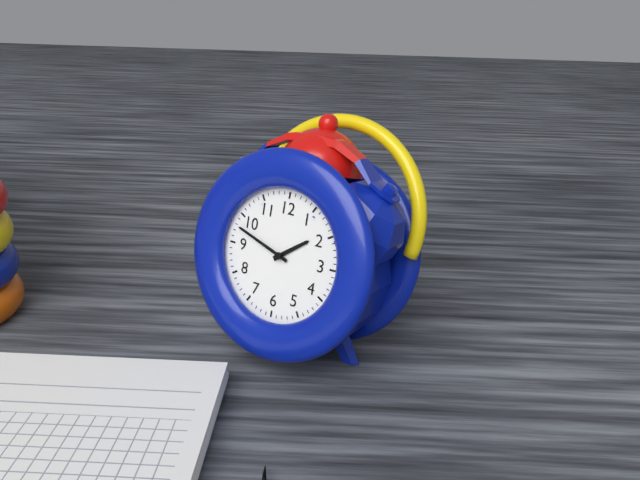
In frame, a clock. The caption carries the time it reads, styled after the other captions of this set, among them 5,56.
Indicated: 1,48
